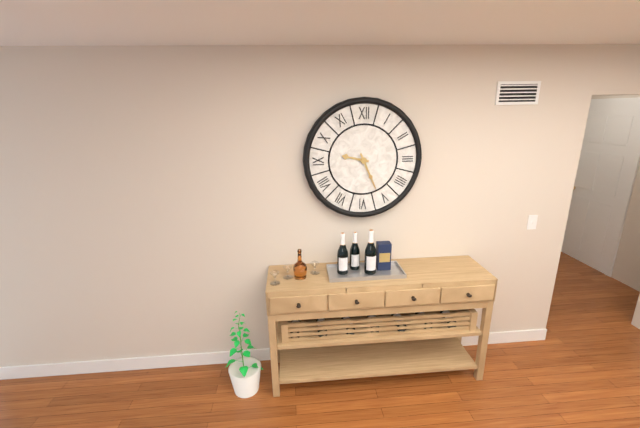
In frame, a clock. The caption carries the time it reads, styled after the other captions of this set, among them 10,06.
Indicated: 9,26
